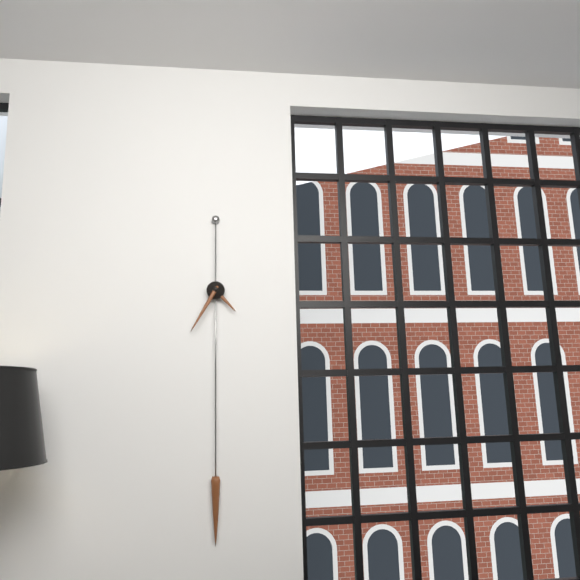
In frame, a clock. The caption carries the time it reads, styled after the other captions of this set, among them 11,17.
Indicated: 4,35
